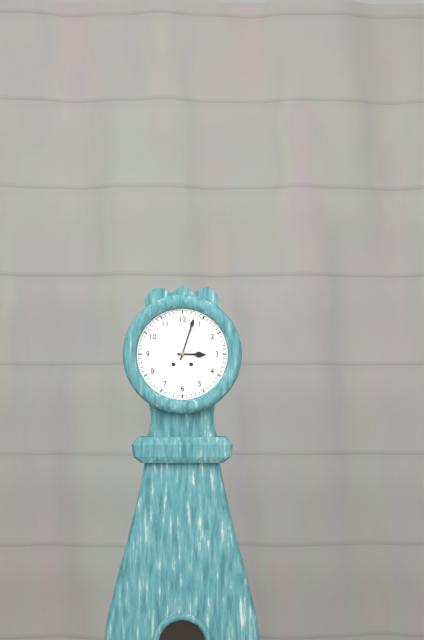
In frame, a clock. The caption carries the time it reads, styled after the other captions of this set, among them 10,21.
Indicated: 3,03
